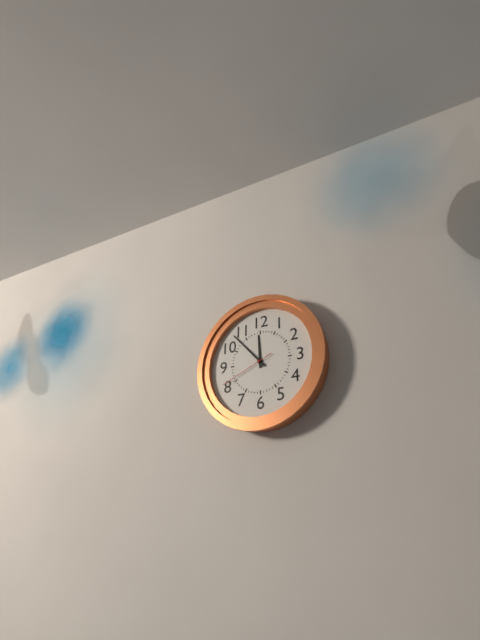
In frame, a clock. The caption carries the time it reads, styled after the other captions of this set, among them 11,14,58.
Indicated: 11,53,41
